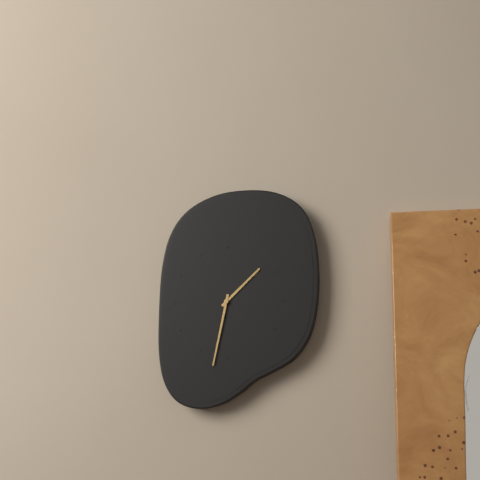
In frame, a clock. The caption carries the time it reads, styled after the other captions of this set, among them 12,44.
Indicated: 1,32
